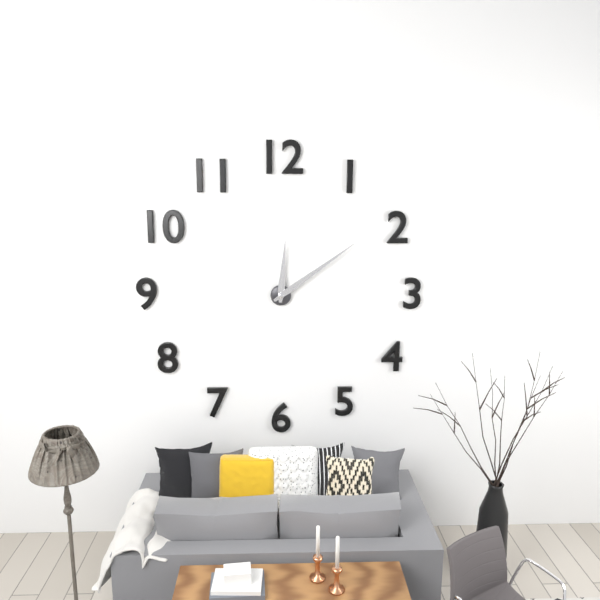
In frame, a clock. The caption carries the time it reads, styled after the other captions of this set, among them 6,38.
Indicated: 12,09
